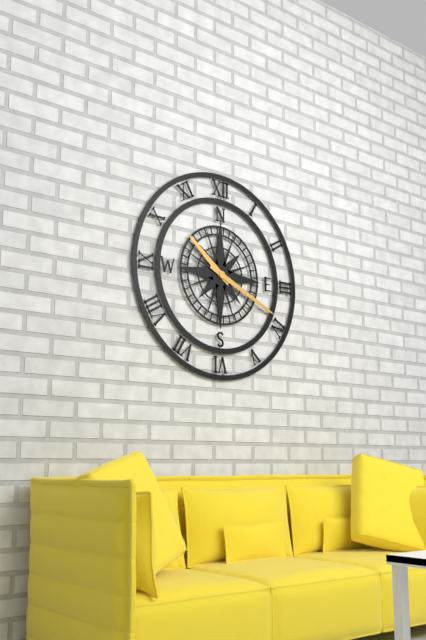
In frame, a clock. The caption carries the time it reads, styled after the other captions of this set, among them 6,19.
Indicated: 10,19
